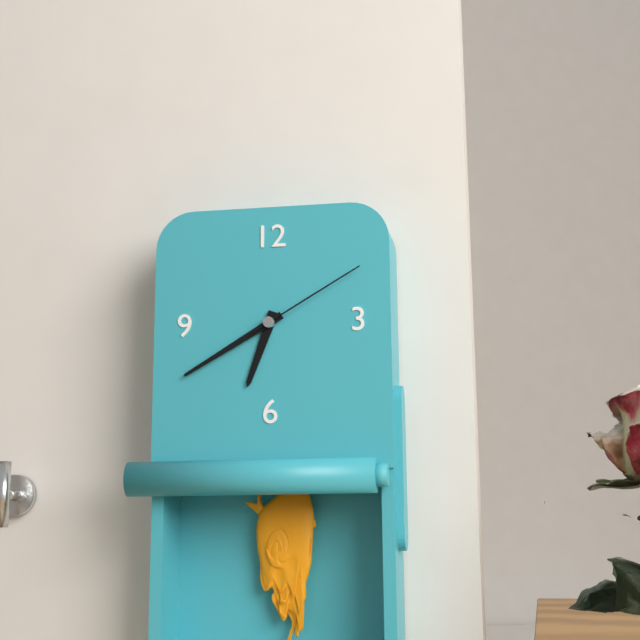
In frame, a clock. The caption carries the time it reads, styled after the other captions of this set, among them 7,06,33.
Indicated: 6,40,10
